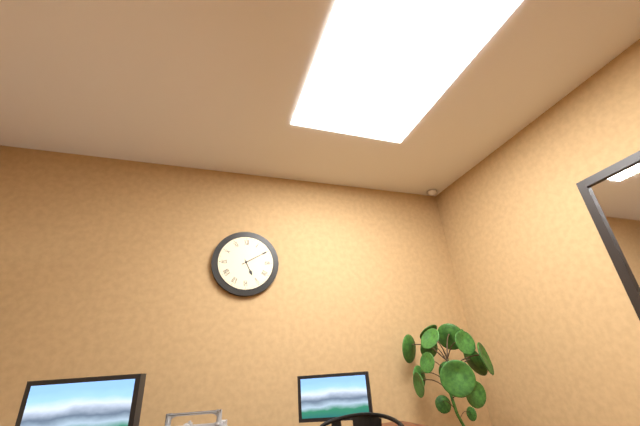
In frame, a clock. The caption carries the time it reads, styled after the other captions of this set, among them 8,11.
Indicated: 5,10
